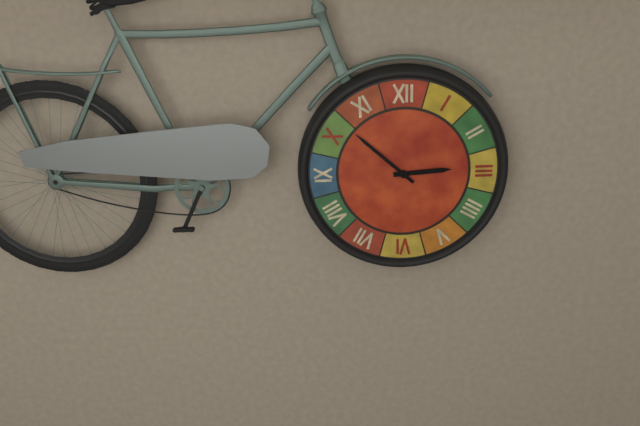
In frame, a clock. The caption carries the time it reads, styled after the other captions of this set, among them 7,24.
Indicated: 2,52
